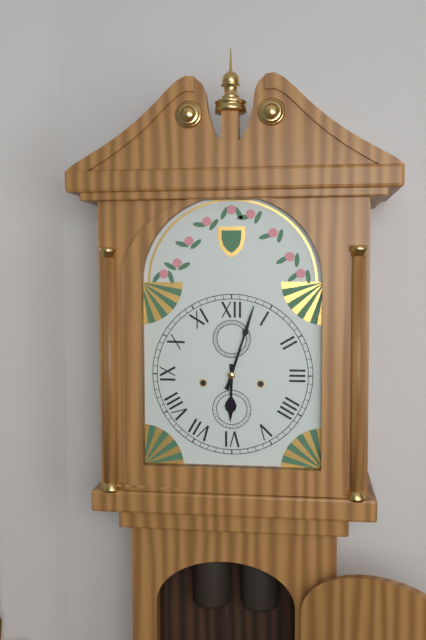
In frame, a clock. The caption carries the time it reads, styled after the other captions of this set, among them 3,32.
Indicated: 6,03
